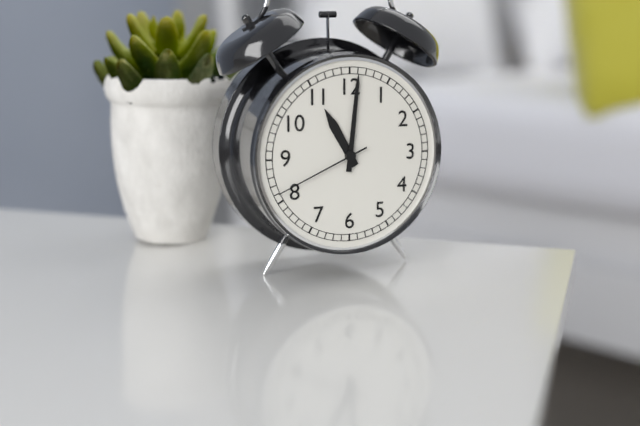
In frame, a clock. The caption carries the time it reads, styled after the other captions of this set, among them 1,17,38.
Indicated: 11,01,41
